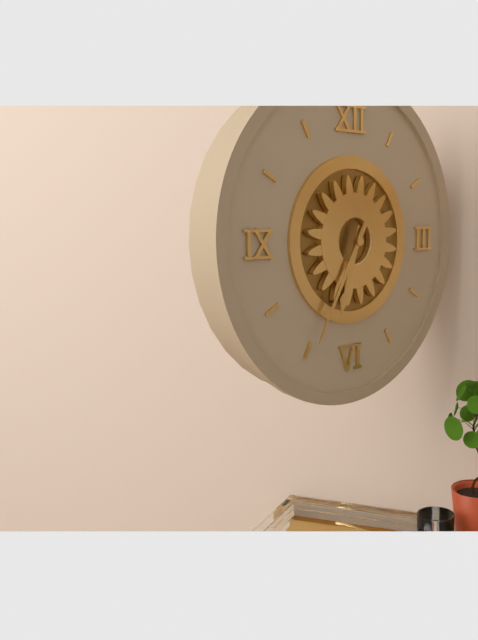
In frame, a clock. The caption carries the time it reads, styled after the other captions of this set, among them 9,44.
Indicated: 6,35
